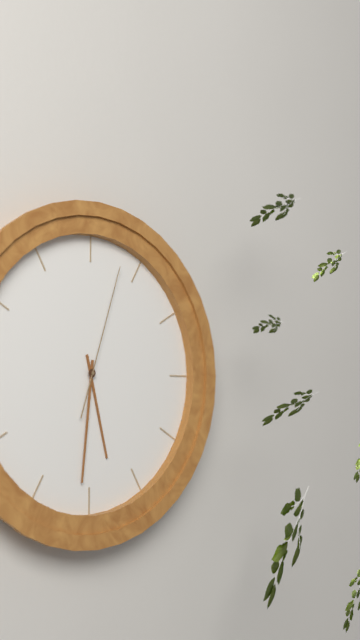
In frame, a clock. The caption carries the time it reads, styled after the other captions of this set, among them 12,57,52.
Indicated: 5,31,03
